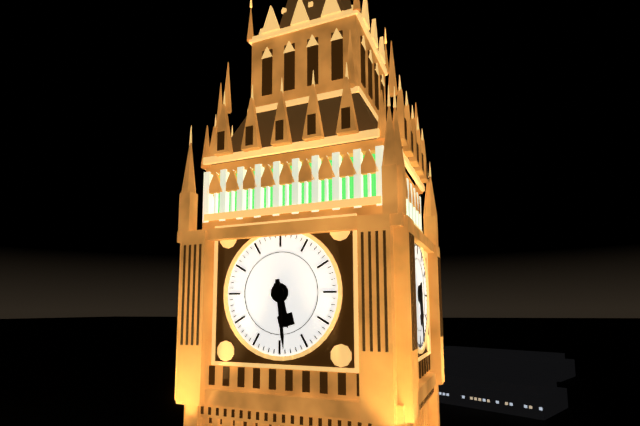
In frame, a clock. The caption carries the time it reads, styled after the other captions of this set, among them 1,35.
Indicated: 5,29
